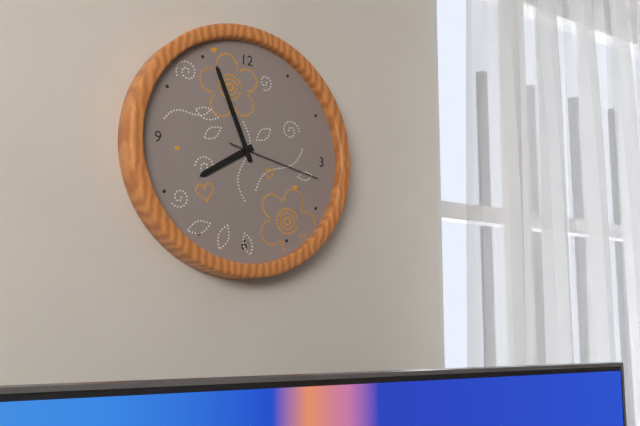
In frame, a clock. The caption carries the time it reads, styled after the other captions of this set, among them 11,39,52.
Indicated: 7,56,17
